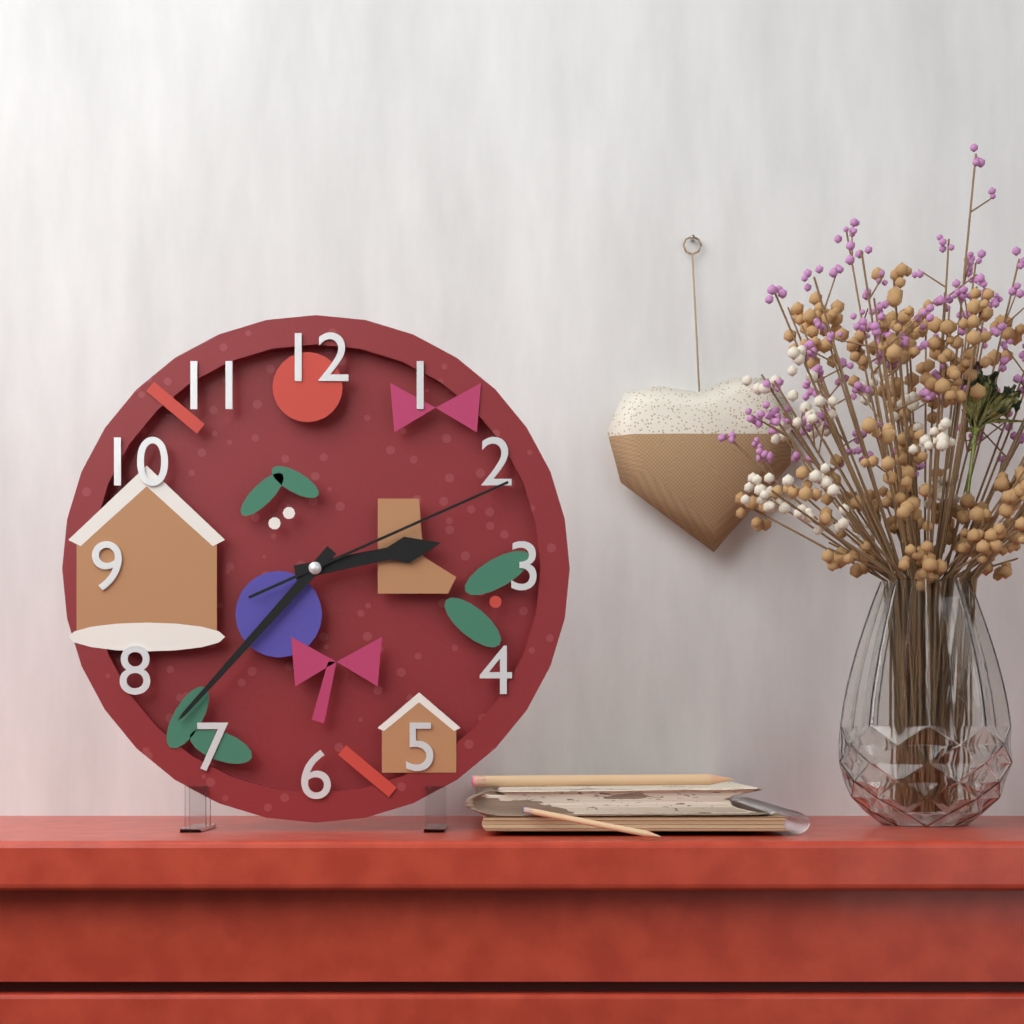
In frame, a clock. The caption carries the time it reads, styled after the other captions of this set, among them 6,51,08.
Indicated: 2,37,11
